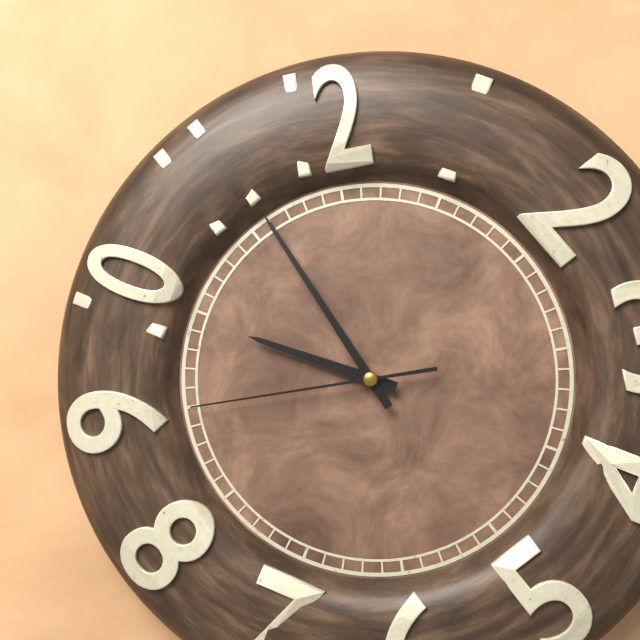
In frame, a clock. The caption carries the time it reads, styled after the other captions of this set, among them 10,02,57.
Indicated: 9,56,45
